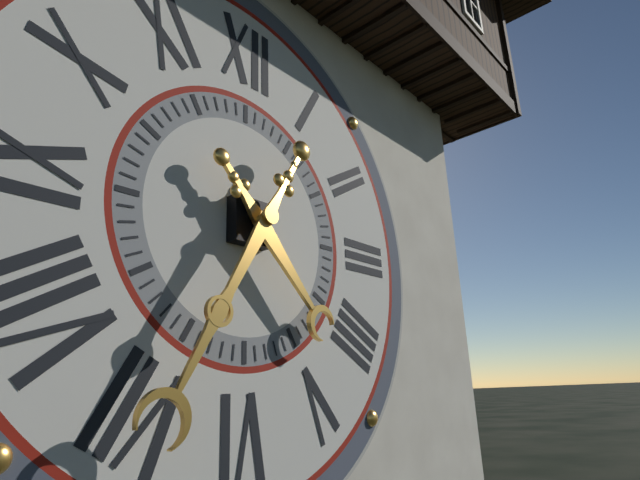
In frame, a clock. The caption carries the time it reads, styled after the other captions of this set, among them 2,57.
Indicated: 4,35
